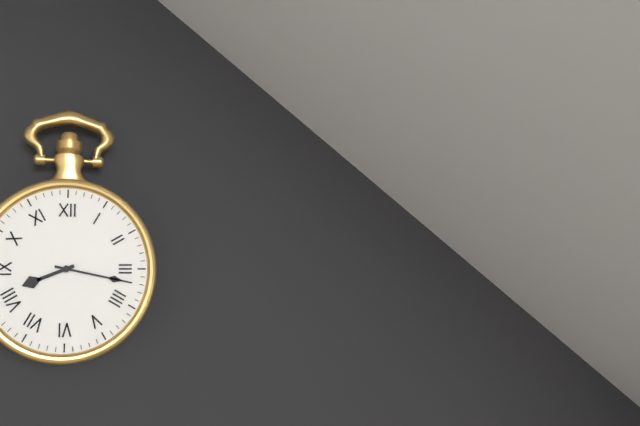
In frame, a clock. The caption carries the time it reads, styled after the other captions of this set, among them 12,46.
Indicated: 8,17
